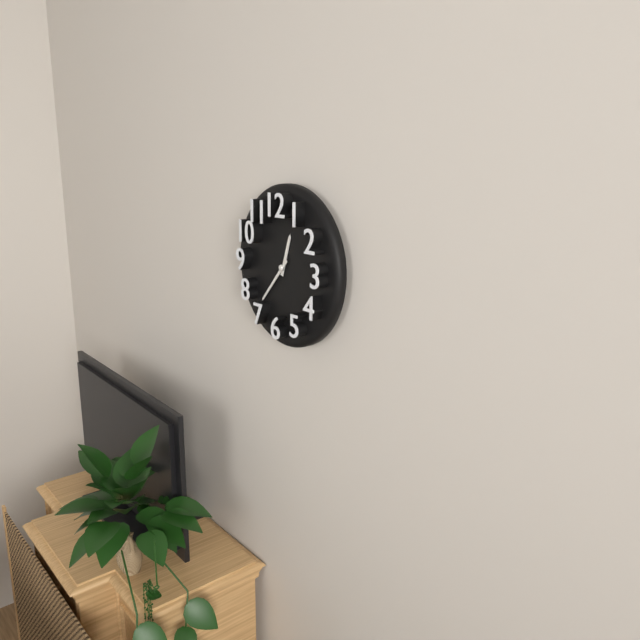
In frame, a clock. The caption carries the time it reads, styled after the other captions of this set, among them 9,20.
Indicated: 12,37
